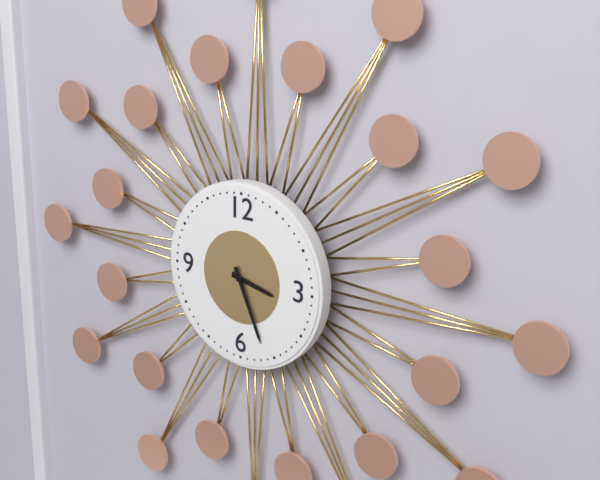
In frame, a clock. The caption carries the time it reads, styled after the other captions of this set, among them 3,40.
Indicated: 3,26
